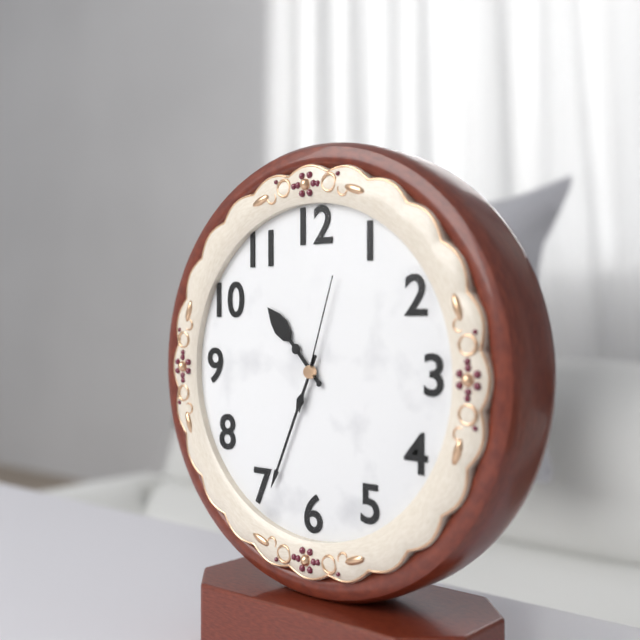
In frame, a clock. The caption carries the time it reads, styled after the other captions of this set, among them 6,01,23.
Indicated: 10,34,03
